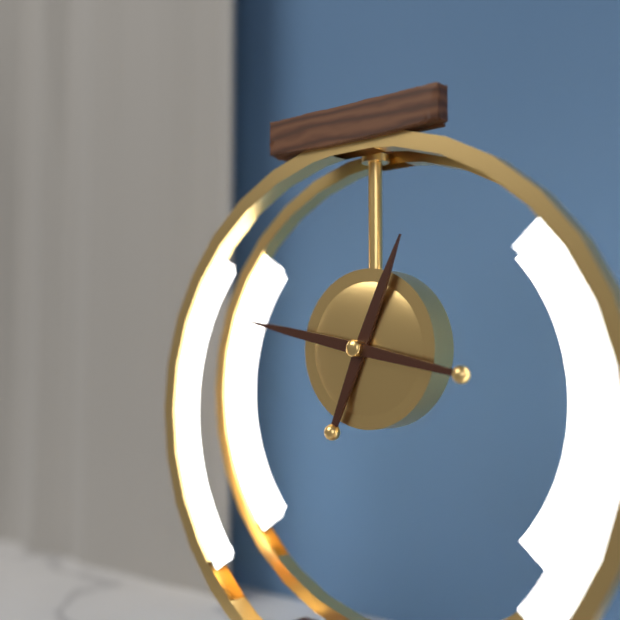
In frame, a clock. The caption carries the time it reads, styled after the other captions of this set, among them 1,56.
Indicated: 12,47
